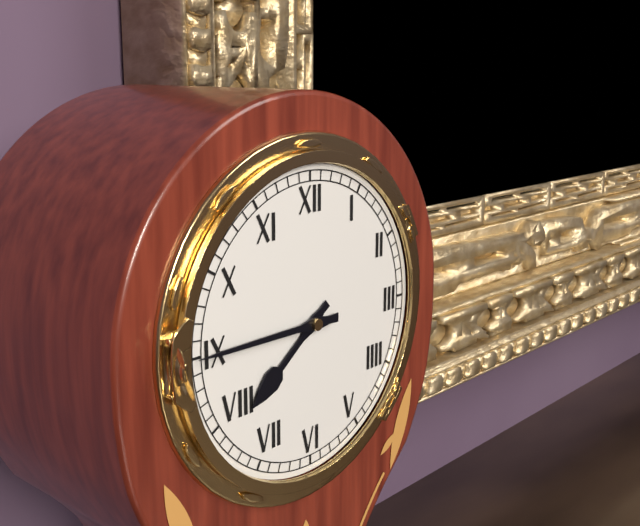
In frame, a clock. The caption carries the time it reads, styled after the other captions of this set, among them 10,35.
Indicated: 7,45
